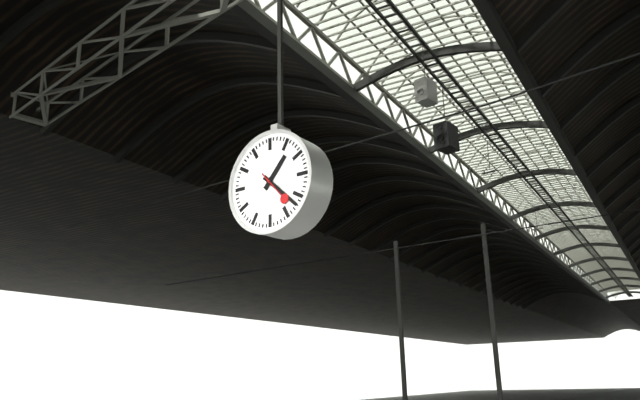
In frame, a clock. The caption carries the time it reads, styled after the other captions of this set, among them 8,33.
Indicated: 1,22
